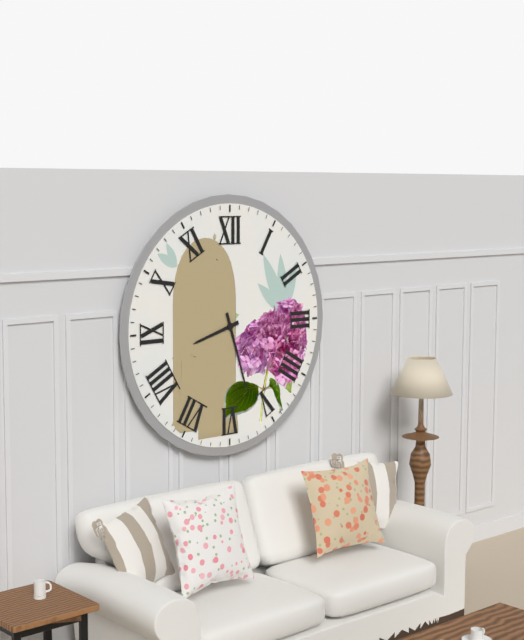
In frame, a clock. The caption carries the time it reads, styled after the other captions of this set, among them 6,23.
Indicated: 8,27
